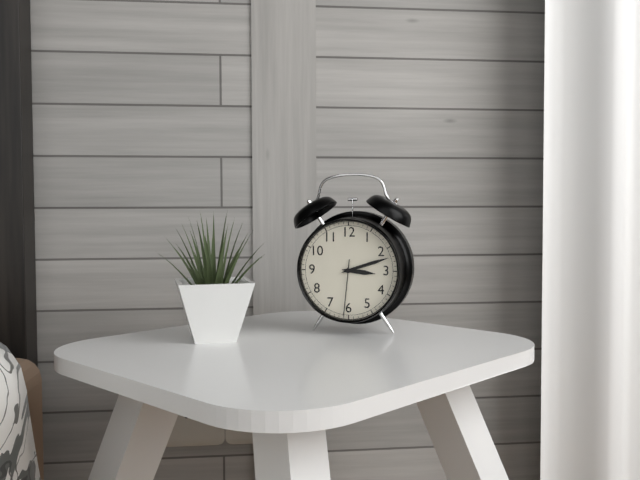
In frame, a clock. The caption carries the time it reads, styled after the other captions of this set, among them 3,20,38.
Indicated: 3,12,31
